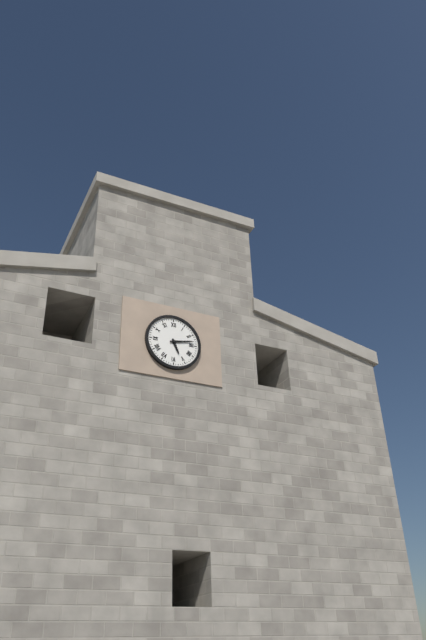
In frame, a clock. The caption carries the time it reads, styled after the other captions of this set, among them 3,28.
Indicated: 5,13
